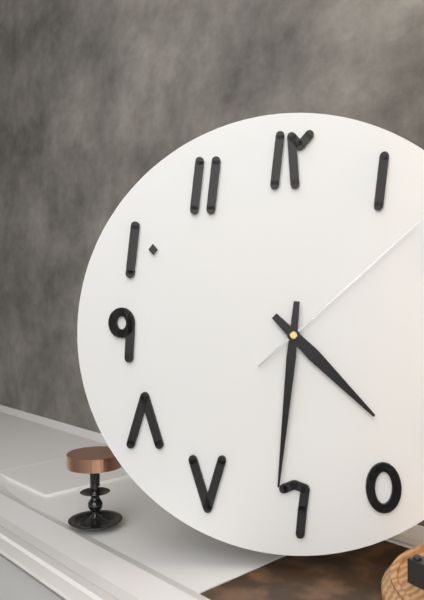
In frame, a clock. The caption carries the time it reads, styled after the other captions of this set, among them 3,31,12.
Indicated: 4,31,08
